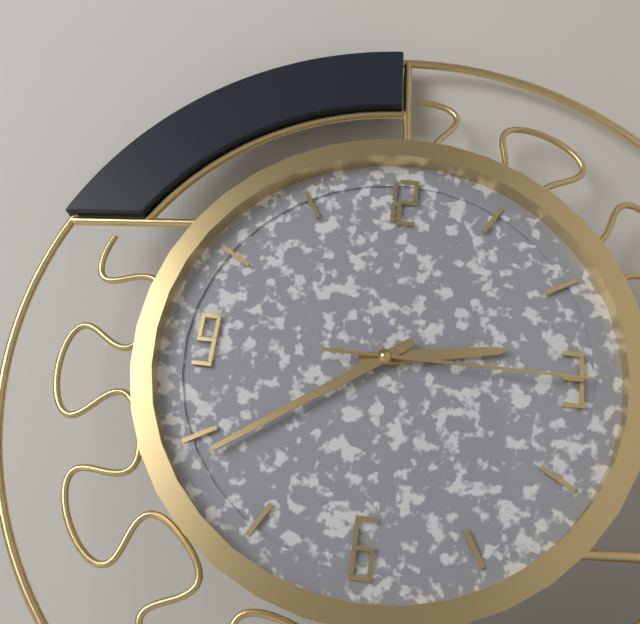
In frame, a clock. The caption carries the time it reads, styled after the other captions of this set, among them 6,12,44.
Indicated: 2,39,15
